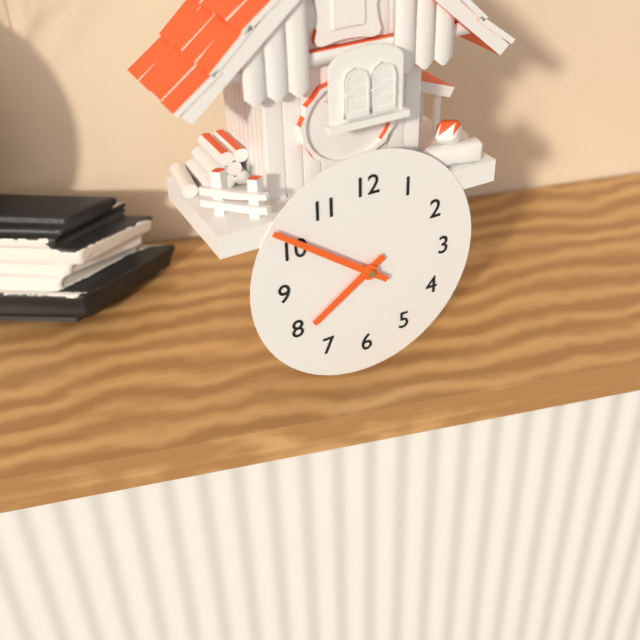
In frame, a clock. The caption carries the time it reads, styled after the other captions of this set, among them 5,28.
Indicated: 7,51
